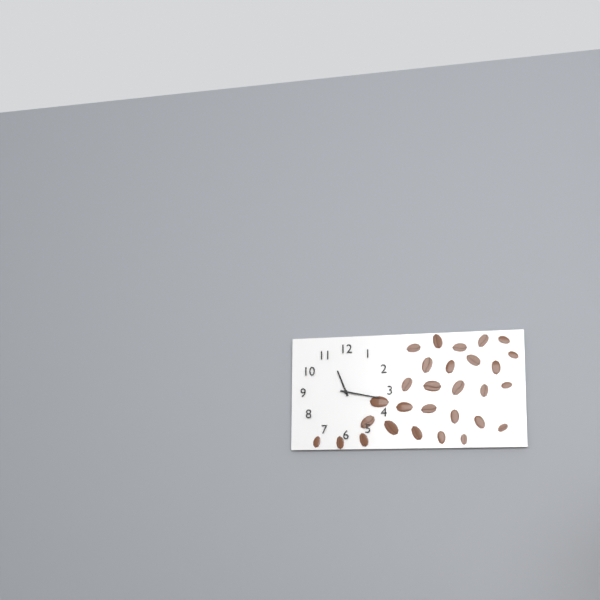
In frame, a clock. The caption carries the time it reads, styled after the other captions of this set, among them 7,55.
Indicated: 11,17
